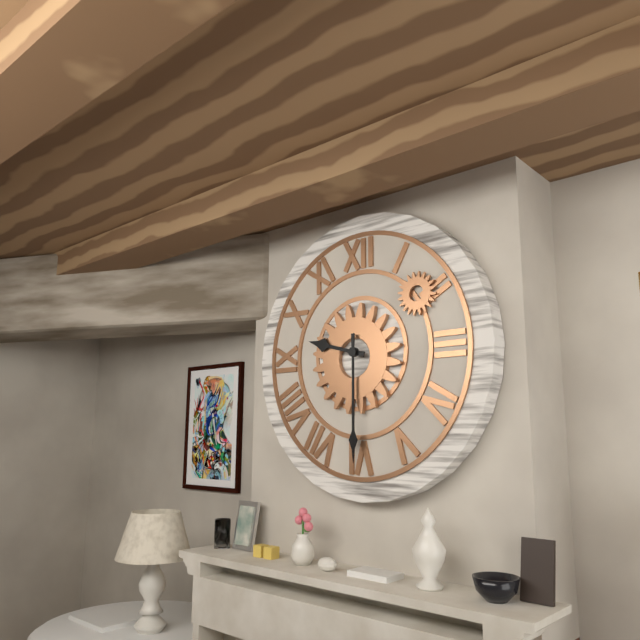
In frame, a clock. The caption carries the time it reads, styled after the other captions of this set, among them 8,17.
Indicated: 9,30
